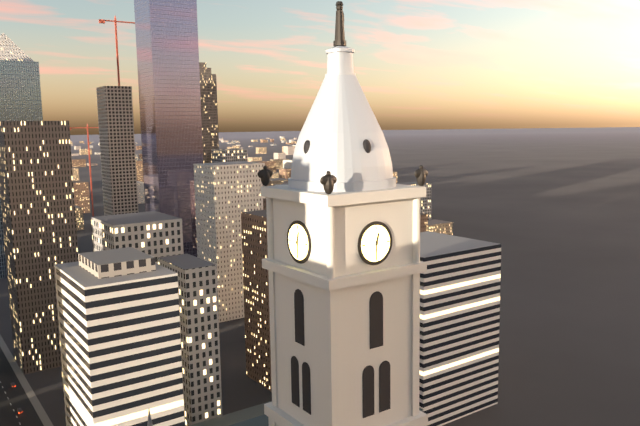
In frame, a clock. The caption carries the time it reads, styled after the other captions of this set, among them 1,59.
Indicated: 12,30
